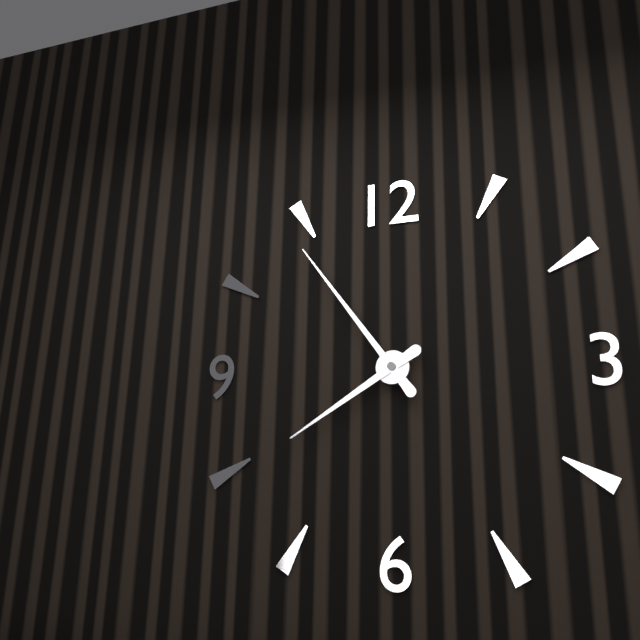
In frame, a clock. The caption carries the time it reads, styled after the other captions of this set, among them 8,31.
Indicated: 7,54
